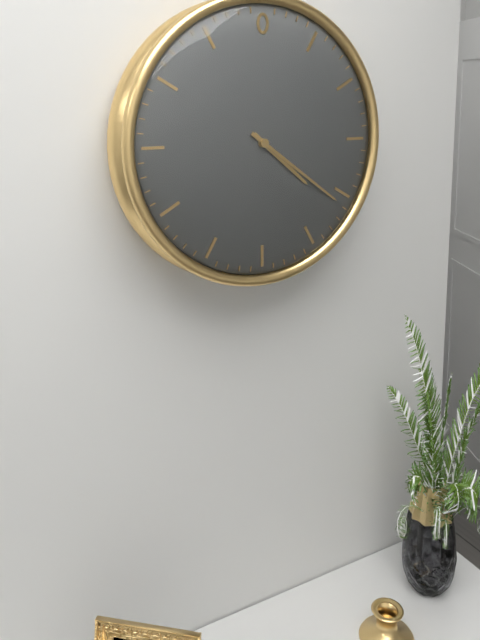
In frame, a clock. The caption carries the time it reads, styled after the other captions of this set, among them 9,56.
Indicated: 4,21
